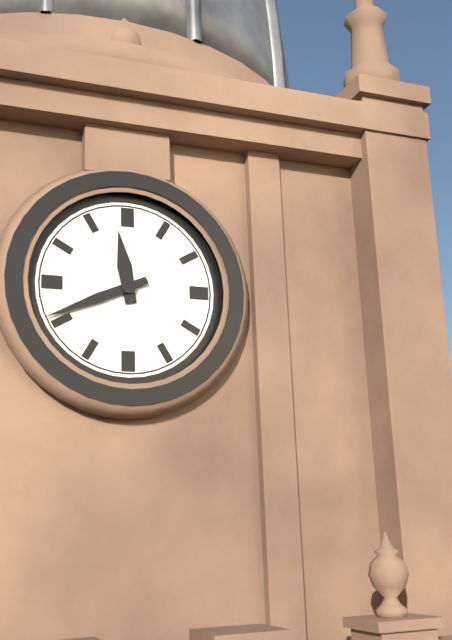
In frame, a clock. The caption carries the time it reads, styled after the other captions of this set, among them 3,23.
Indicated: 11,41
